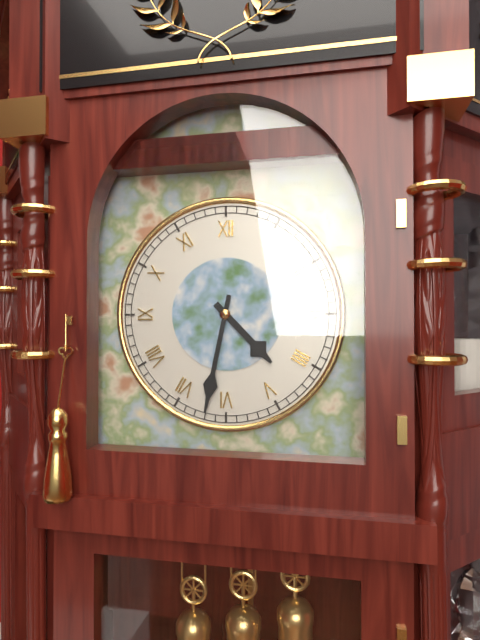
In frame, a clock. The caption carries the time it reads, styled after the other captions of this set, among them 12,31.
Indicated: 4,32
